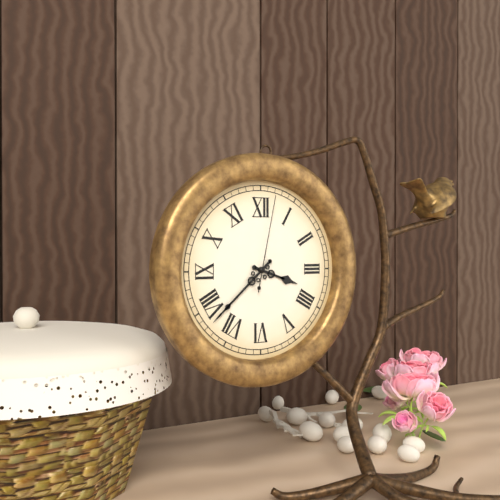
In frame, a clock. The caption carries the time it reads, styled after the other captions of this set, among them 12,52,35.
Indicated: 3,38,02
